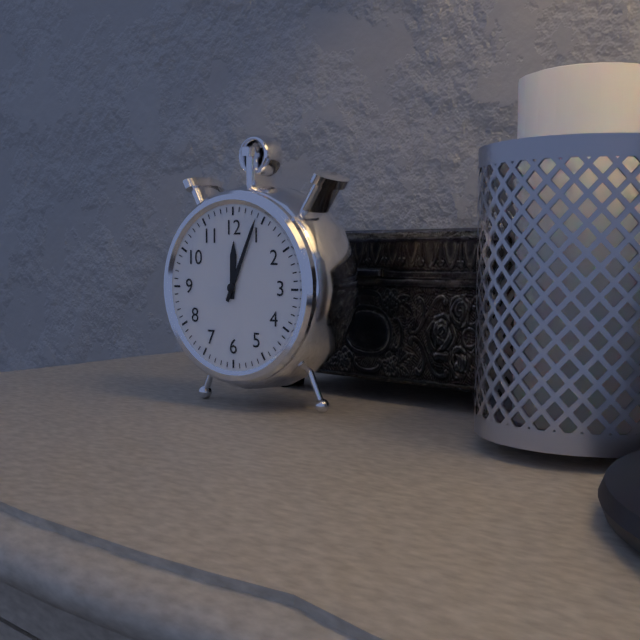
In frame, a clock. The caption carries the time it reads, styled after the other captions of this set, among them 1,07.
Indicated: 12,04
